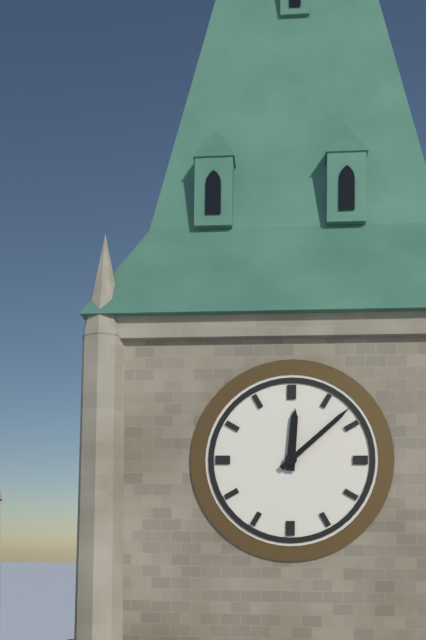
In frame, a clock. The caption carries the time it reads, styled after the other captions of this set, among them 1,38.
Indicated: 12,08
